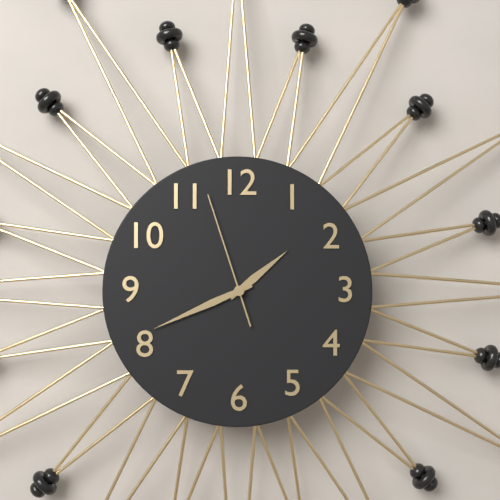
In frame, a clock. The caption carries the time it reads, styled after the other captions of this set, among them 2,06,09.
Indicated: 1,41,57
